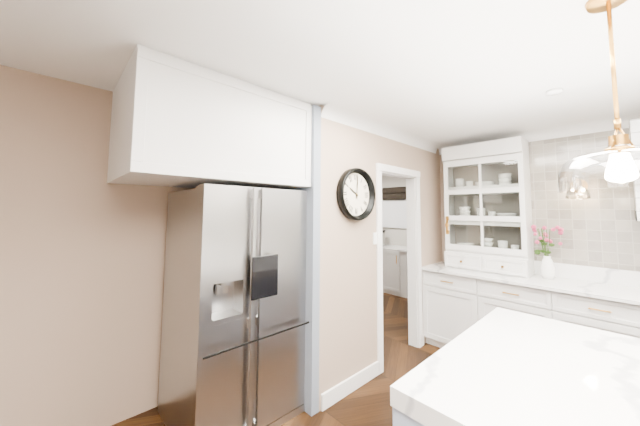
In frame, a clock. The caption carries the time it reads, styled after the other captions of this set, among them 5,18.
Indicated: 10,01
